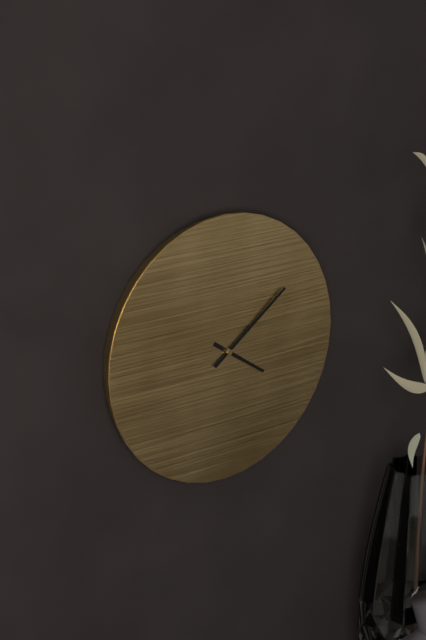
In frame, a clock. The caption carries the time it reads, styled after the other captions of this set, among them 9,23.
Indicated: 4,09
